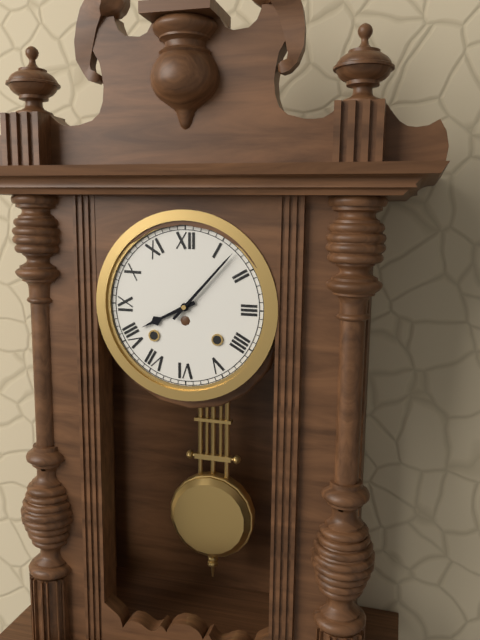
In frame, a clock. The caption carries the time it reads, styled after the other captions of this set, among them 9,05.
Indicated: 8,07
